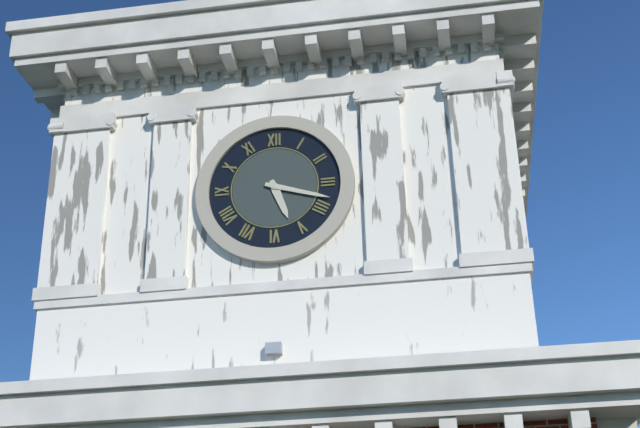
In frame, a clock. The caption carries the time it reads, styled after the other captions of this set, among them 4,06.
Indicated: 5,18
